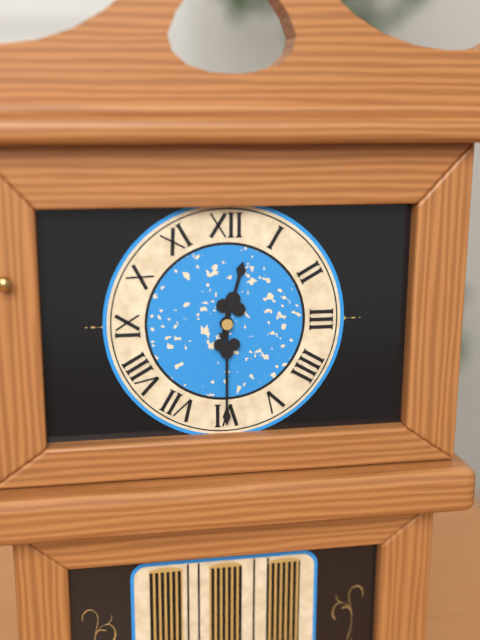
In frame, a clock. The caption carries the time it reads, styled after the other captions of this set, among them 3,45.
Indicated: 12,30
